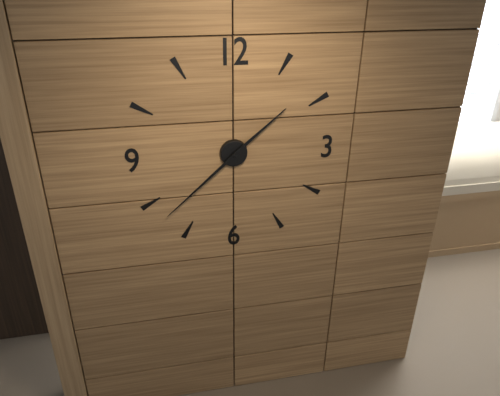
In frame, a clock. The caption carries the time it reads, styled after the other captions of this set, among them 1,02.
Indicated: 1,38
